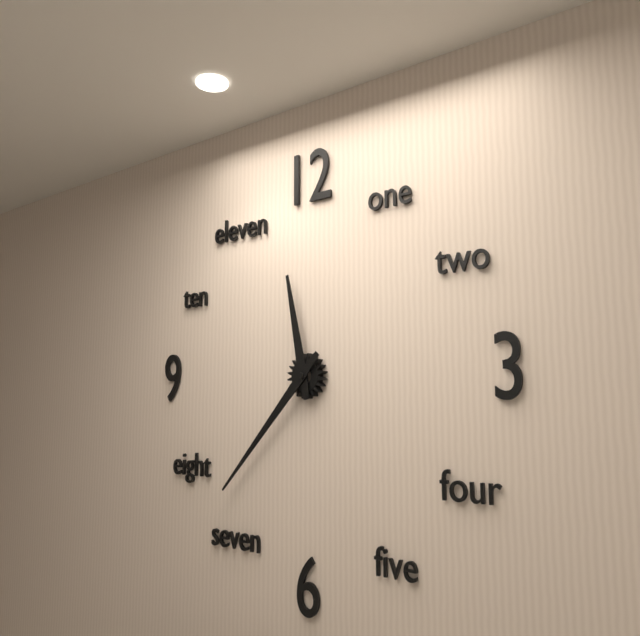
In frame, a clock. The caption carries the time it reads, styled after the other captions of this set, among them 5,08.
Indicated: 11,37
